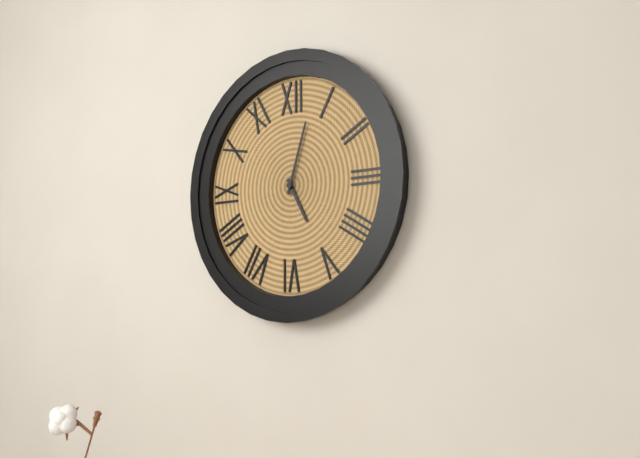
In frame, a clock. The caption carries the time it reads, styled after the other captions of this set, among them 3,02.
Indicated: 5,03
